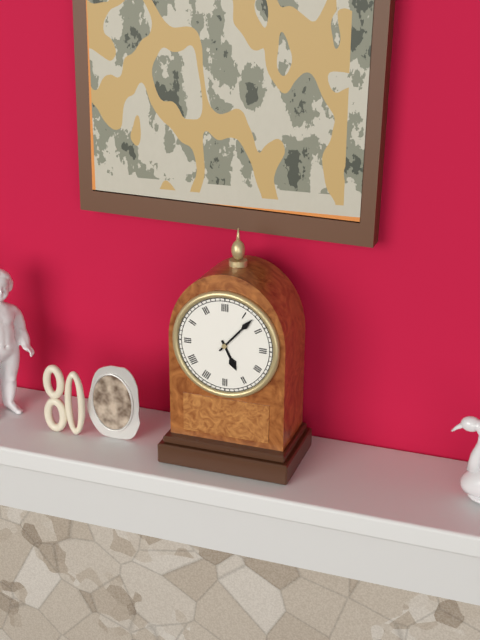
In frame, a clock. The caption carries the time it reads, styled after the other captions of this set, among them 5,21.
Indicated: 5,07
